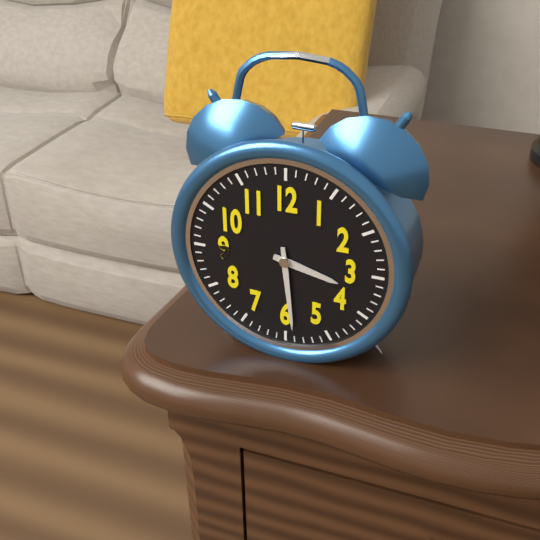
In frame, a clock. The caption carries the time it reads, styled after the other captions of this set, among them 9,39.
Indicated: 3,29
